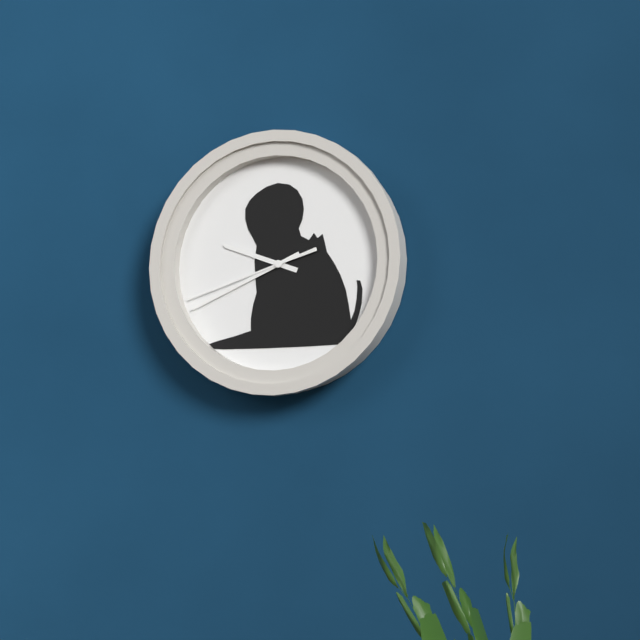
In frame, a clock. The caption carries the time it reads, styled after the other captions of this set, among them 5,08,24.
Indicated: 9,41,42
